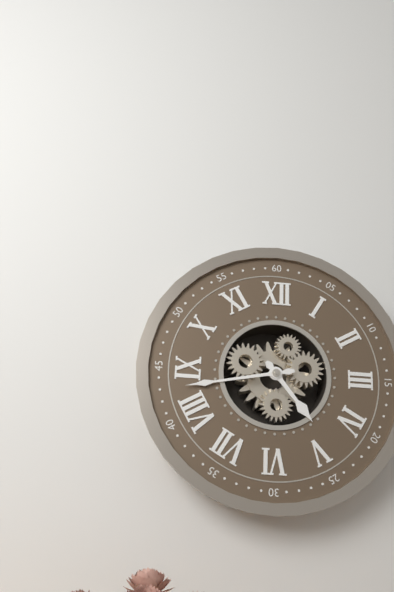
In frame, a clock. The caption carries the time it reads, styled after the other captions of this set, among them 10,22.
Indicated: 4,43
